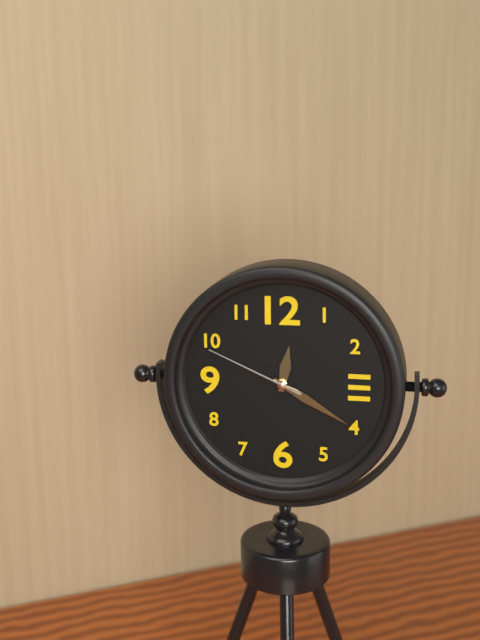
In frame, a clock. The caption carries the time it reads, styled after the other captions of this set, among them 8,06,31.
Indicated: 12,20,49
